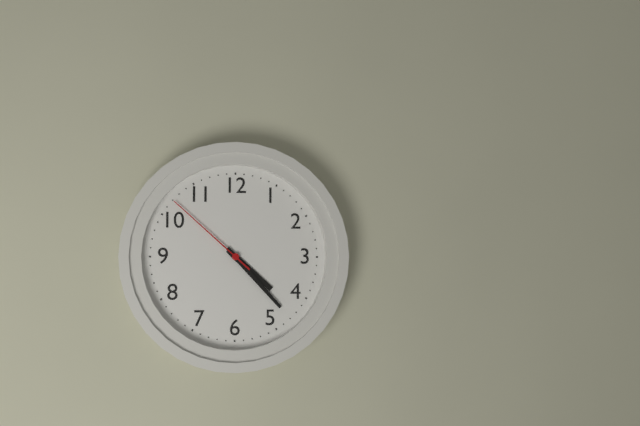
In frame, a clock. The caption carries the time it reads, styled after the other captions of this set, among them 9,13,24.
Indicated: 4,23,52
